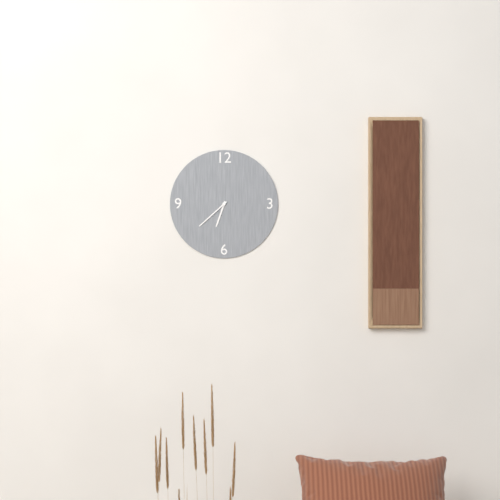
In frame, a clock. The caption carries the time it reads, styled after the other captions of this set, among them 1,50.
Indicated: 6,38
